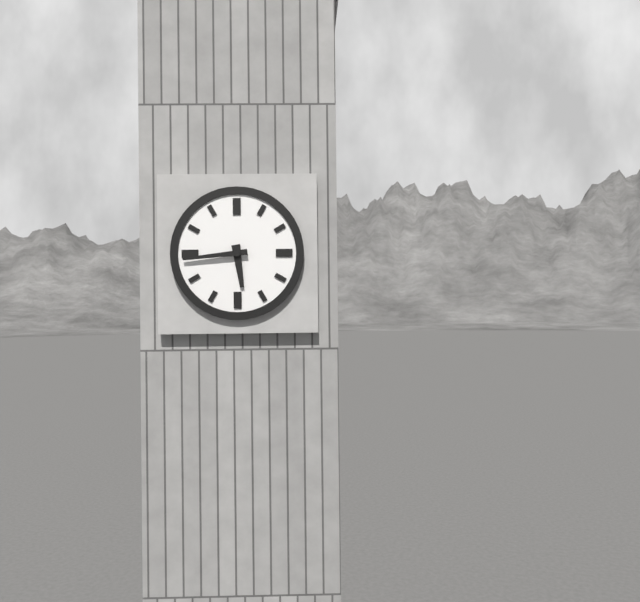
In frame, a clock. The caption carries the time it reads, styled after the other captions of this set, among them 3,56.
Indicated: 5,44
